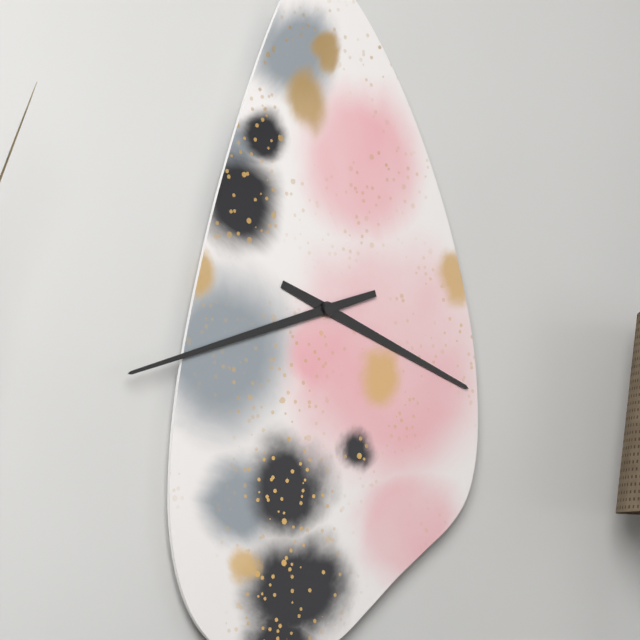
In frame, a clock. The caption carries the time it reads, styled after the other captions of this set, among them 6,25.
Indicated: 3,42
